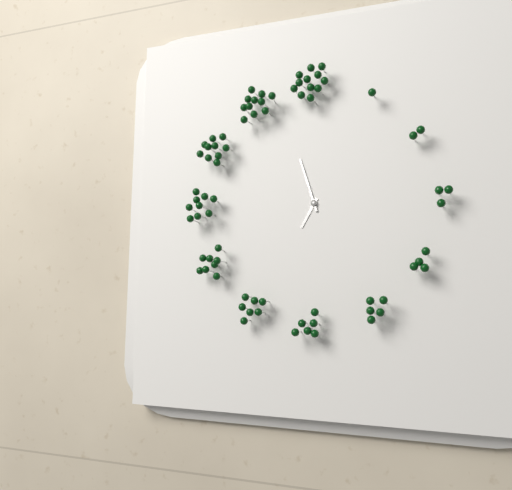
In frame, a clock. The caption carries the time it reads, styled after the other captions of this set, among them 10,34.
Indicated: 6,57
